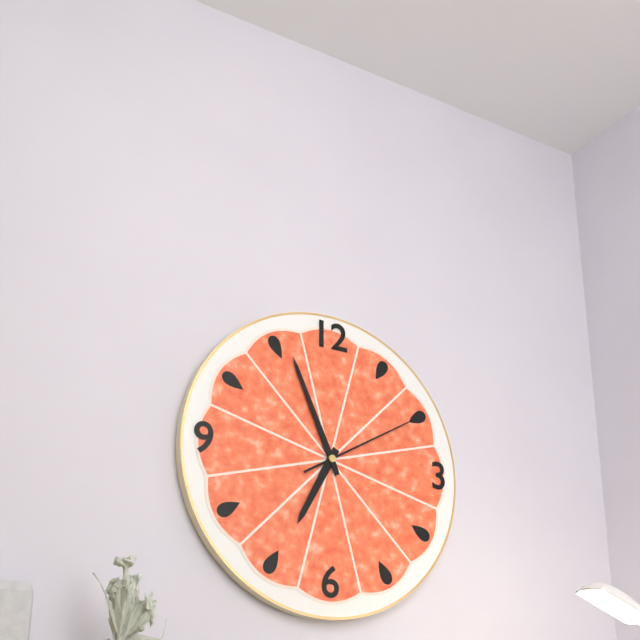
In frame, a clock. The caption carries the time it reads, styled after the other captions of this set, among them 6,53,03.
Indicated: 6,56,10
